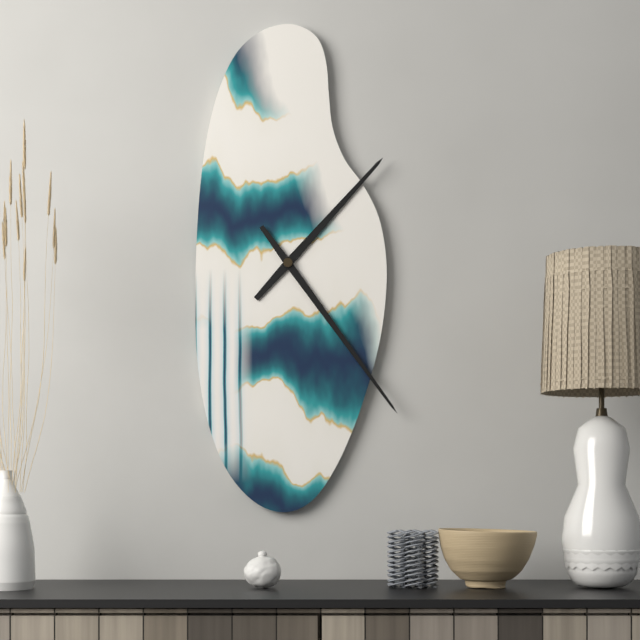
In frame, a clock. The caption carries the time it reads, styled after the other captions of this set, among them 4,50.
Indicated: 1,24
